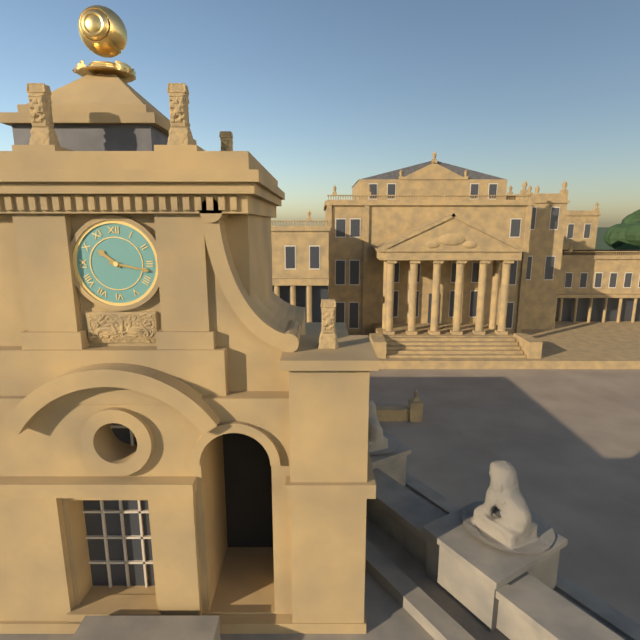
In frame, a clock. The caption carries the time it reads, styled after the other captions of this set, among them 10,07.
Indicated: 10,17
